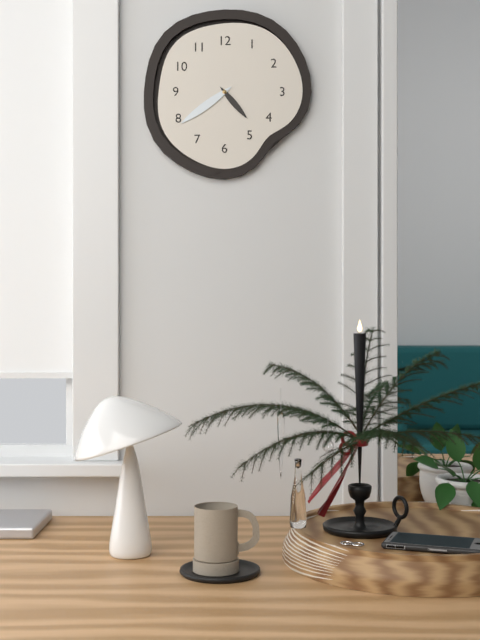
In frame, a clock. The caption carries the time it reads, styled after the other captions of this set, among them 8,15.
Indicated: 4,39
